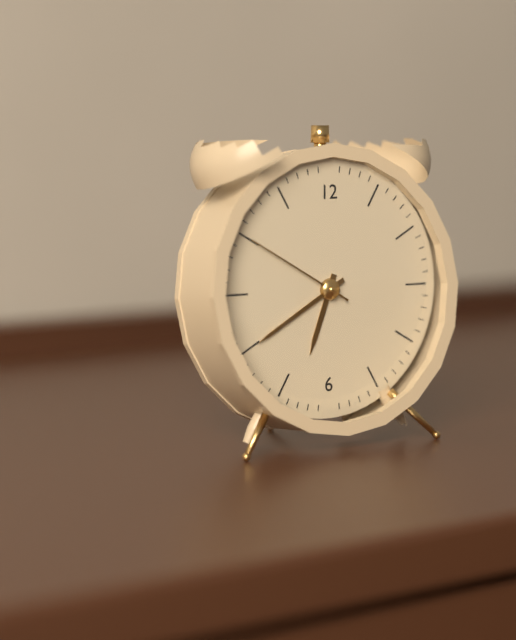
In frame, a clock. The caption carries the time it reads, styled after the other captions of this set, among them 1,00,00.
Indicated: 6,40,50
